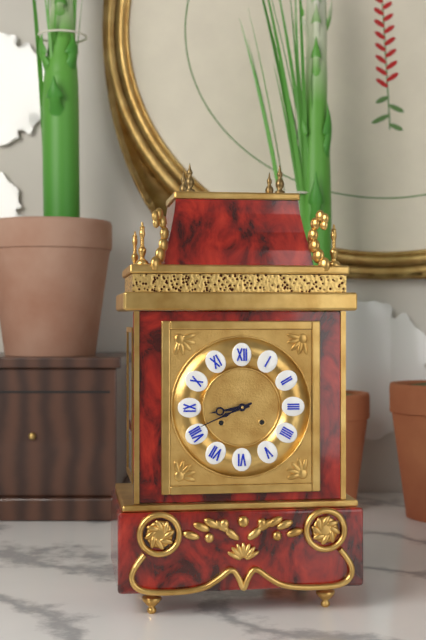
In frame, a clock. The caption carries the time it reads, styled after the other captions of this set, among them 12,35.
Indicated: 8,41
